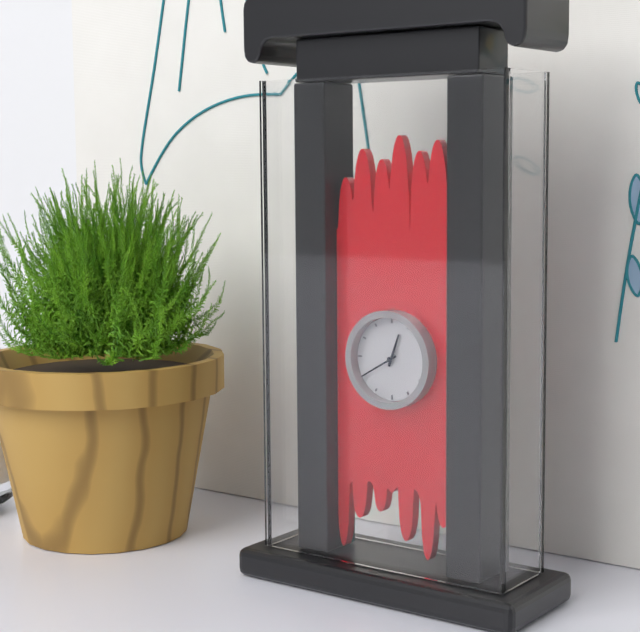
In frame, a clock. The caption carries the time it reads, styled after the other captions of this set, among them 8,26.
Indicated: 12,40
